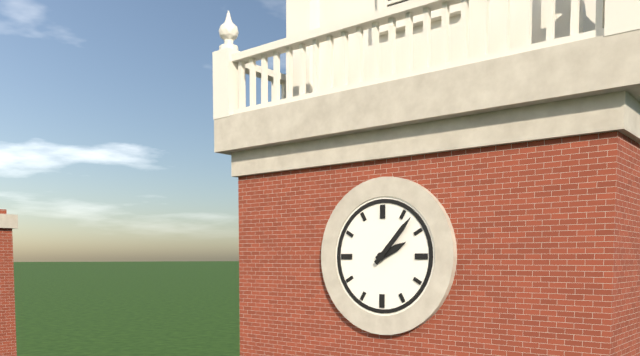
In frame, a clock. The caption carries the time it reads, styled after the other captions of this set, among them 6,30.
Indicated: 2,07
